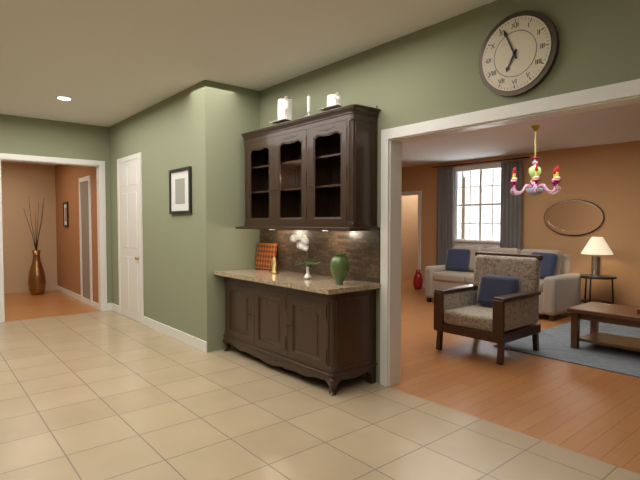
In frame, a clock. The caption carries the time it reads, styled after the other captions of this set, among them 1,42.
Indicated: 6,56
